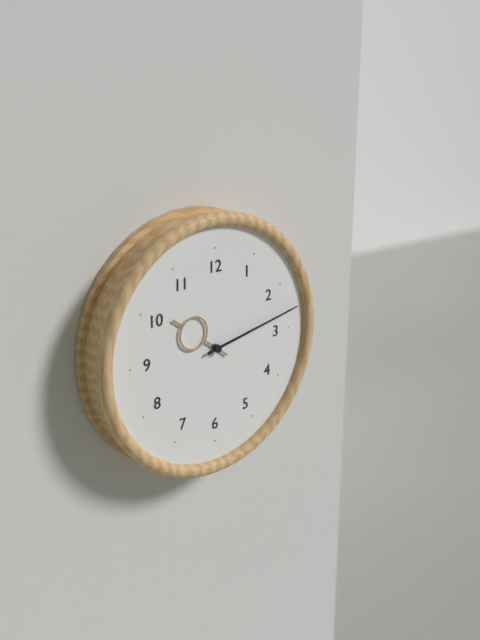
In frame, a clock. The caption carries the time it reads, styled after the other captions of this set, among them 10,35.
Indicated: 10,13
